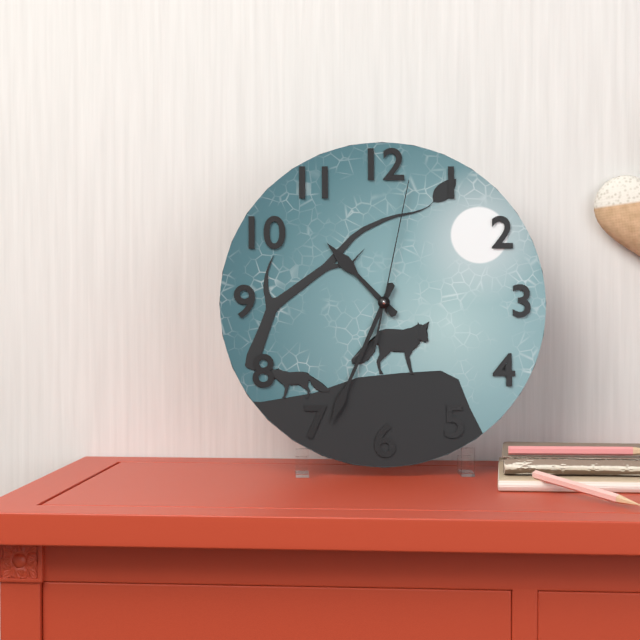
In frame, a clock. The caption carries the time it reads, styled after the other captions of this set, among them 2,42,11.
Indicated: 10,34,02
